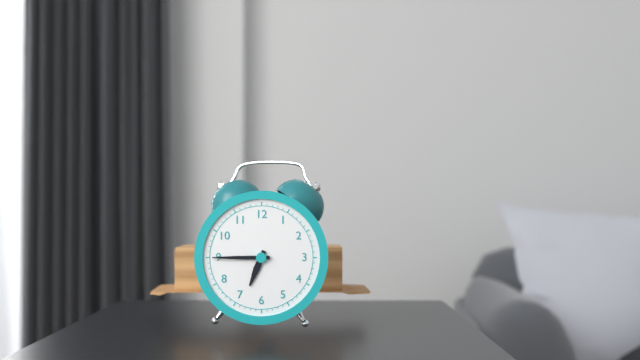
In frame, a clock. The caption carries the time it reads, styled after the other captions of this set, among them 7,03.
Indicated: 6,45
